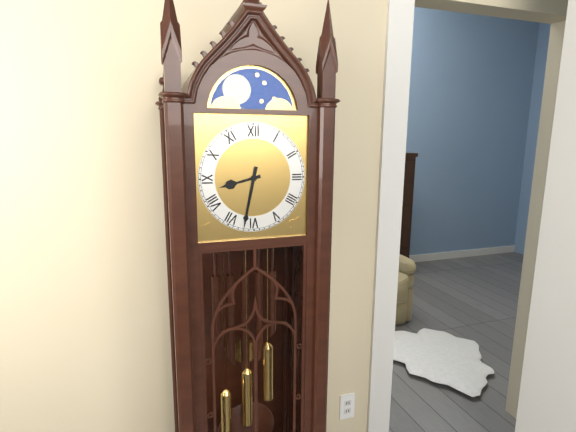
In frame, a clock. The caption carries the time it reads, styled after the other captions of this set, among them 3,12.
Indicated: 8,32
